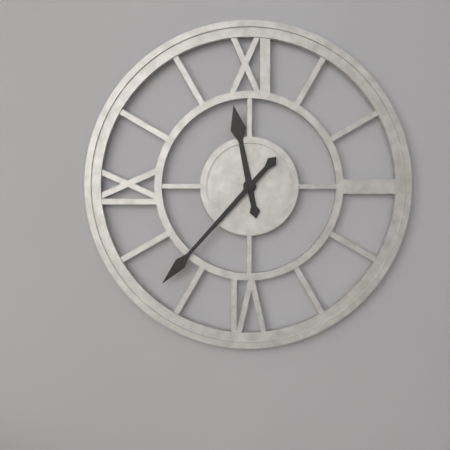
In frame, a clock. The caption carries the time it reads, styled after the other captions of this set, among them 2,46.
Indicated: 11,37
